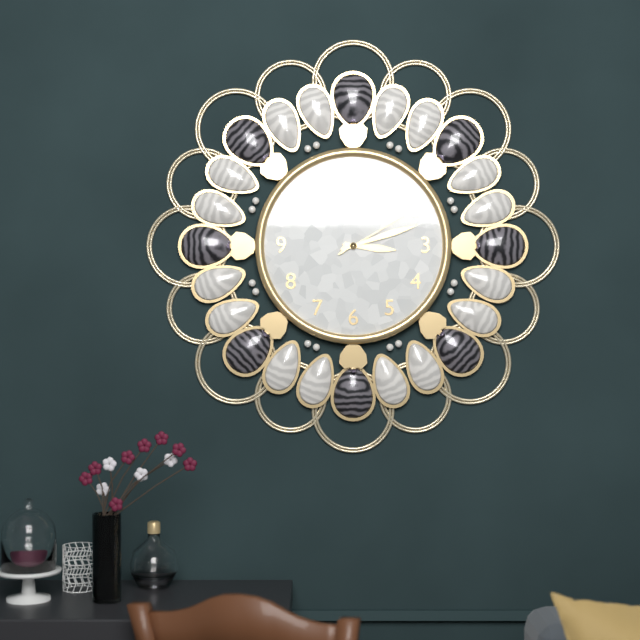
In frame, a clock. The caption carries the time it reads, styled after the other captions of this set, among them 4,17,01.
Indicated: 3,12,10
